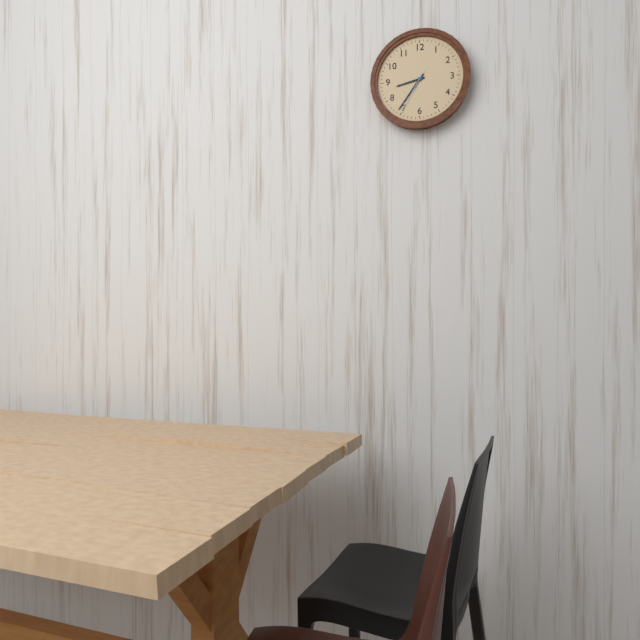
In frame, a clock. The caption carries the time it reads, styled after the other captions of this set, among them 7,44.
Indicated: 8,36
